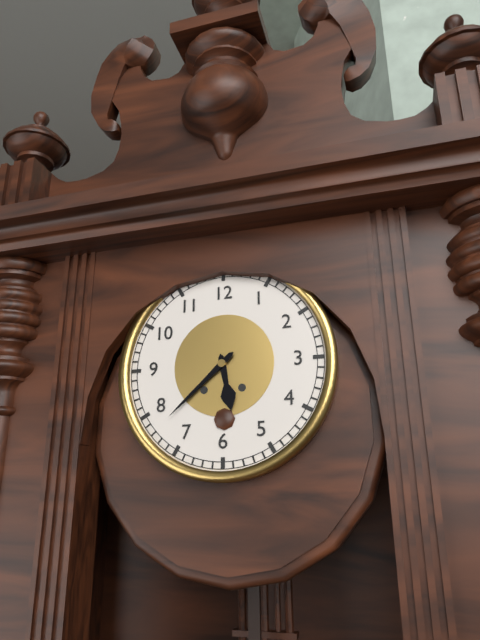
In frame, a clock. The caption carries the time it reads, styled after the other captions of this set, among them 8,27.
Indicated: 5,38
